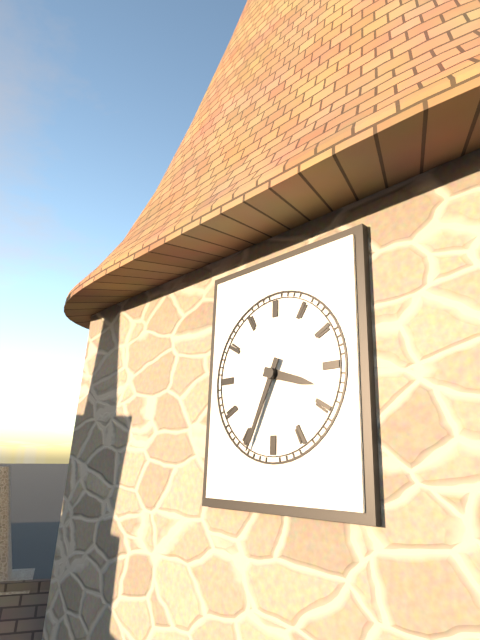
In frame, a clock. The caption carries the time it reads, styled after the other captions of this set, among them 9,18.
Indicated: 3,34
